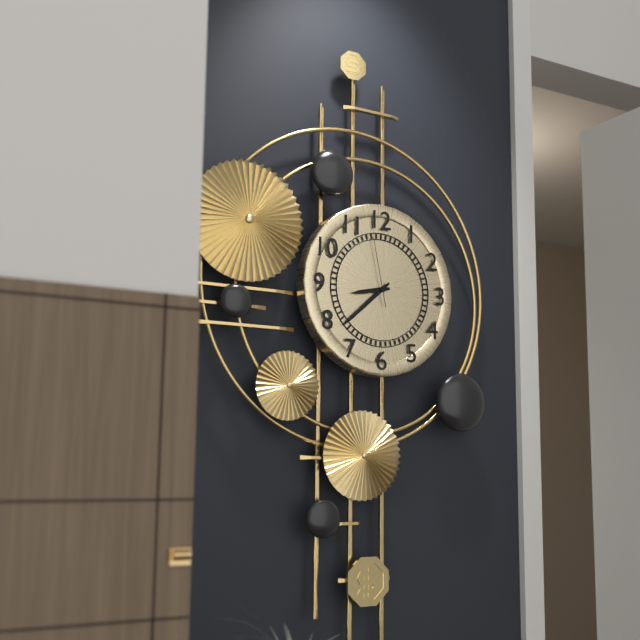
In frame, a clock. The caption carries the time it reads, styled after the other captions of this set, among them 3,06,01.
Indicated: 8,38,58
